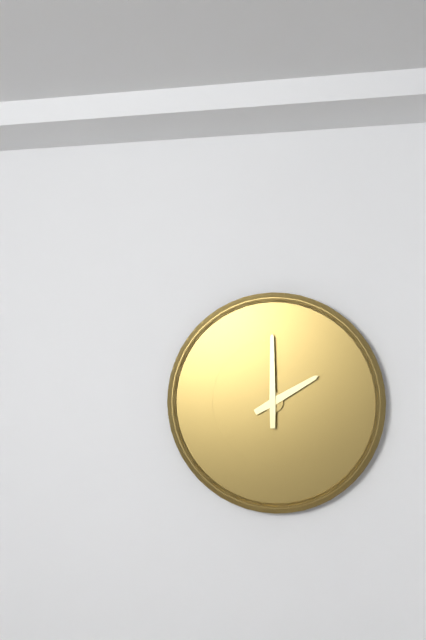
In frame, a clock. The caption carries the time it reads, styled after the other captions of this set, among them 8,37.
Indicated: 2,00
